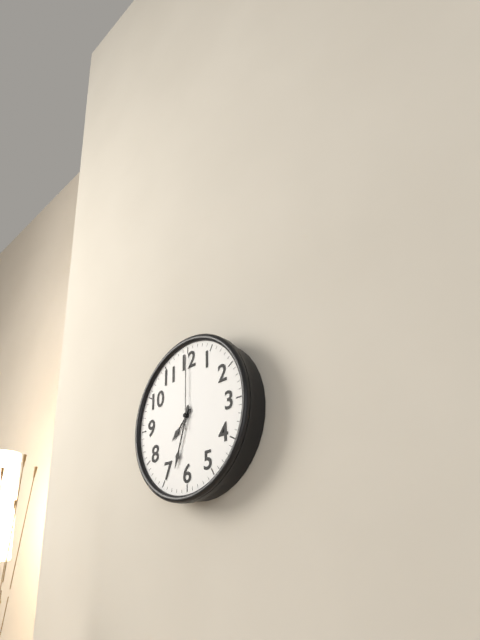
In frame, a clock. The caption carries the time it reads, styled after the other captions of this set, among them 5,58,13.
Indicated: 7,33,00
